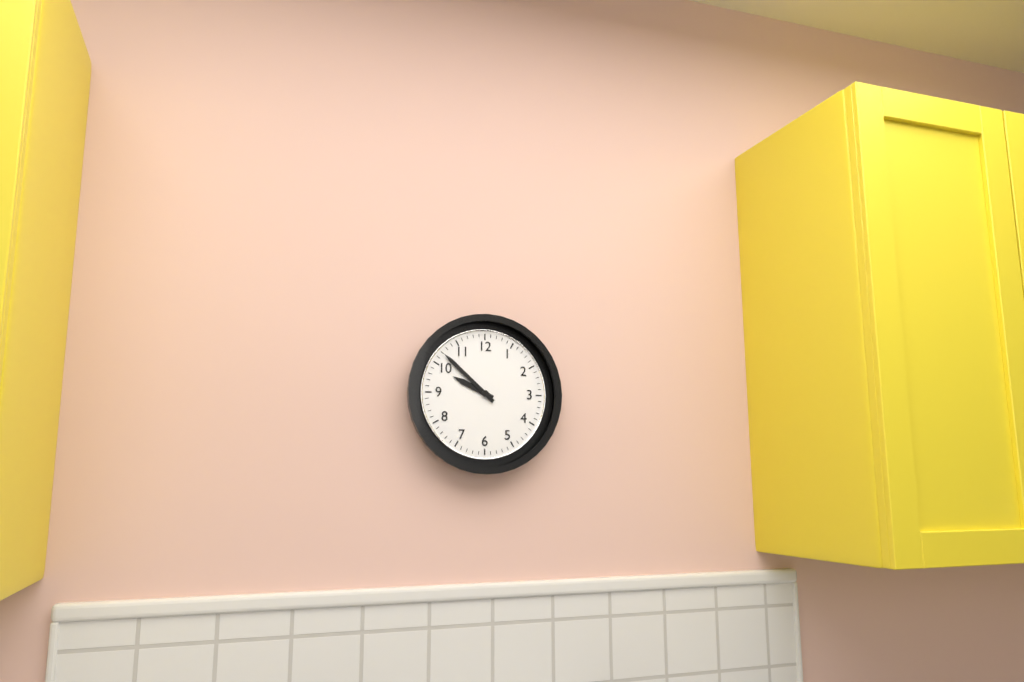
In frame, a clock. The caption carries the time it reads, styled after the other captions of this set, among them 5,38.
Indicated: 9,52
